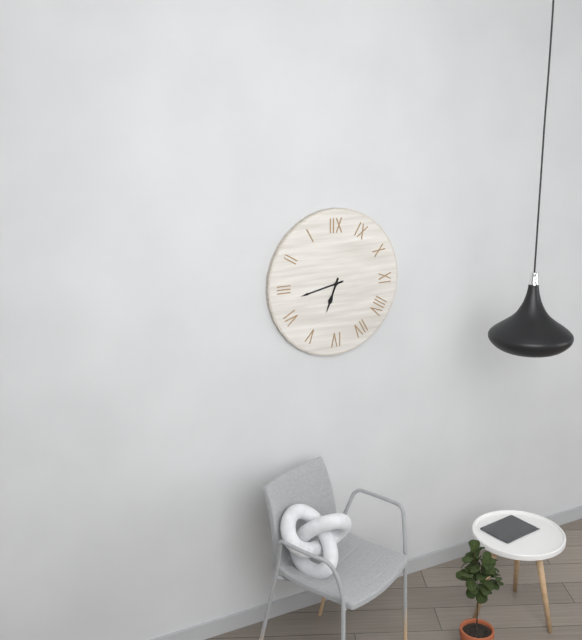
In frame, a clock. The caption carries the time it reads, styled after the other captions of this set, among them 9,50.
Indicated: 6,43
